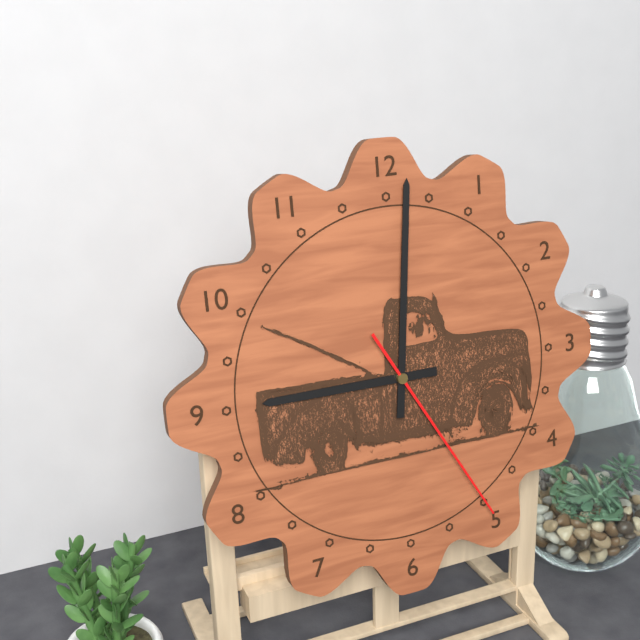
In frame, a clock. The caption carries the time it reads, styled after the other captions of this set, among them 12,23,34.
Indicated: 9,01,25
